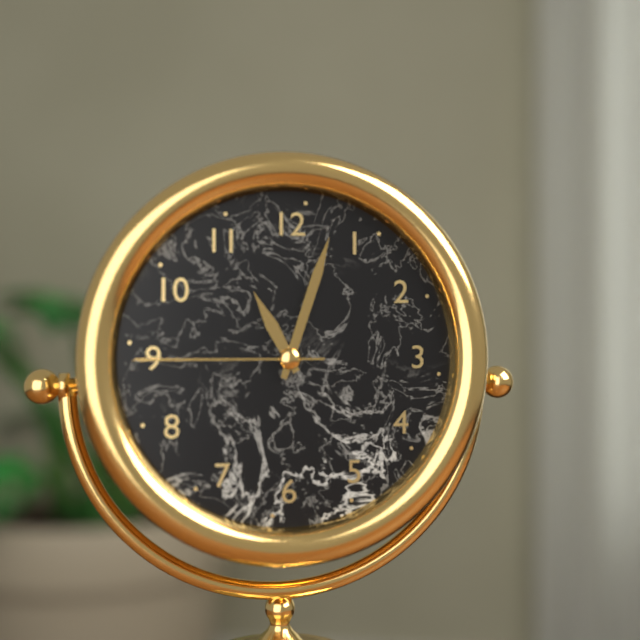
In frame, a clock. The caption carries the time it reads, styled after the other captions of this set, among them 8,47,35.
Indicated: 11,03,45
